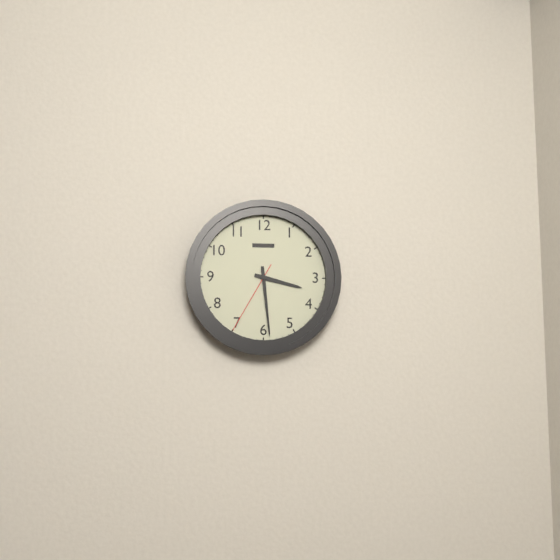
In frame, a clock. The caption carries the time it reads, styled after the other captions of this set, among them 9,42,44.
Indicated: 3,29,35
